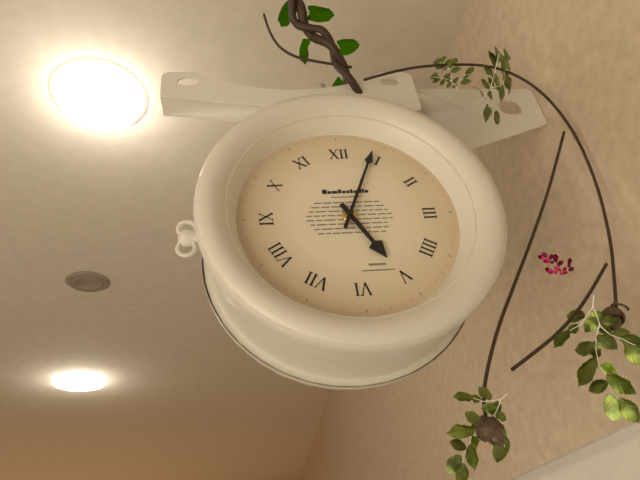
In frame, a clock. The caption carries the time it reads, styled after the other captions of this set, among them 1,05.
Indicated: 5,04
